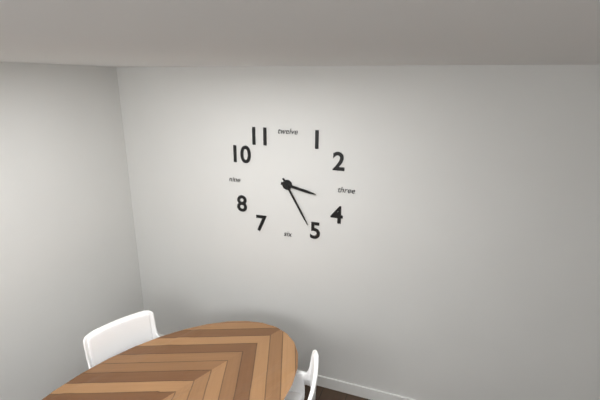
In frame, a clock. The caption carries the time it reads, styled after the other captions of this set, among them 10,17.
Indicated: 3,25
